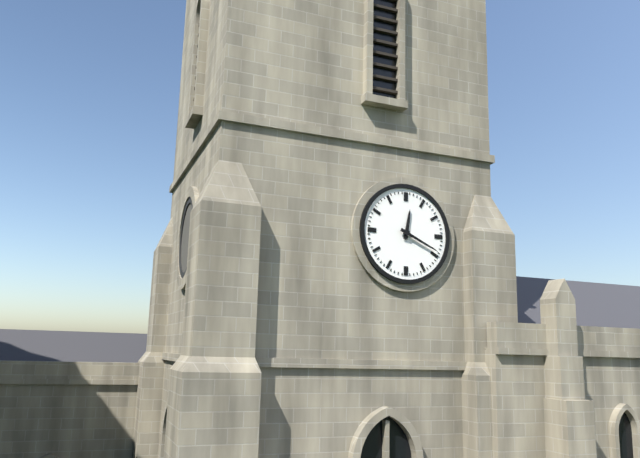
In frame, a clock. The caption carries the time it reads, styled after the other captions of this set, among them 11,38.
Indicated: 12,19
